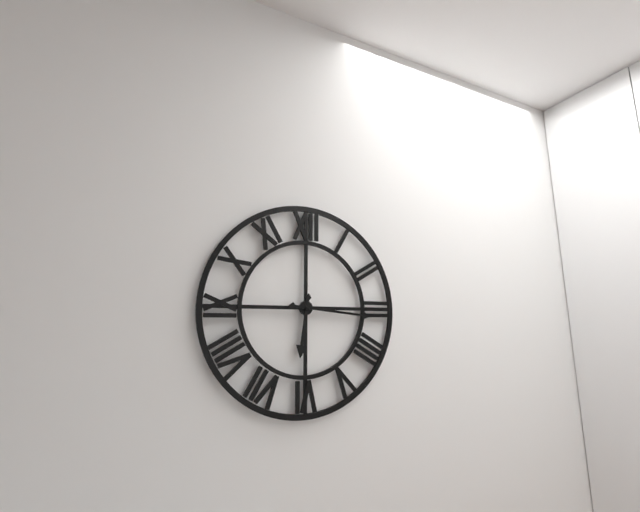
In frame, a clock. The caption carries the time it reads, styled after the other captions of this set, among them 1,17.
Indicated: 6,16
